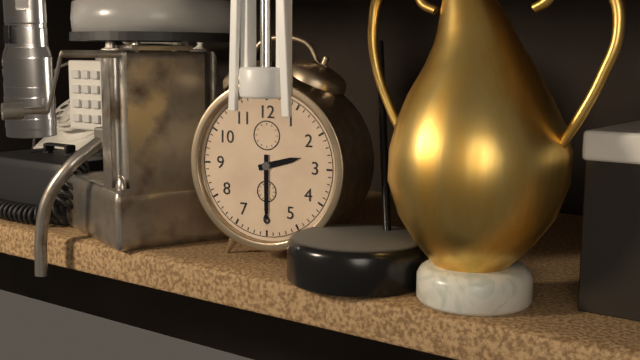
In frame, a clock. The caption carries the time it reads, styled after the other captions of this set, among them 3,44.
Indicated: 2,30
